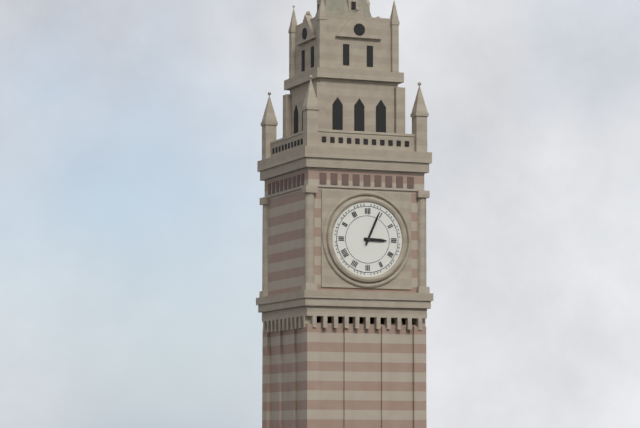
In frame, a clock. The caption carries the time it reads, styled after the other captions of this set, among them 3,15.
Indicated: 3,04
